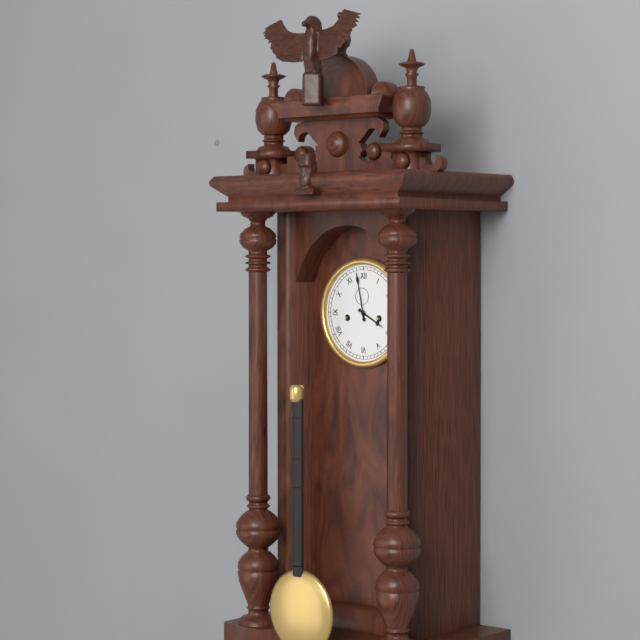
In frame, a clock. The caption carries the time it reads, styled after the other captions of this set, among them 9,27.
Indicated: 3,58
